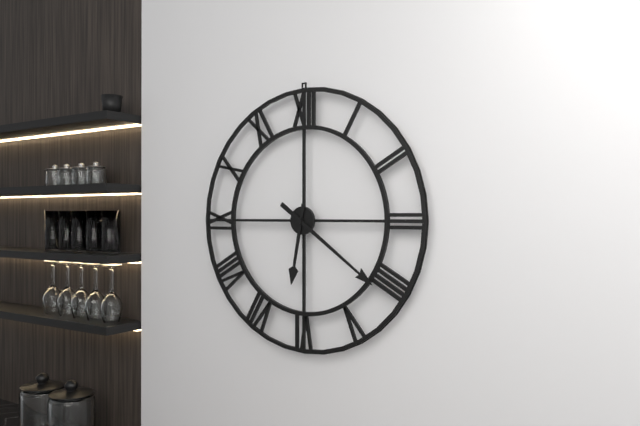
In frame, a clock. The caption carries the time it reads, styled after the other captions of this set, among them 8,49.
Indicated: 6,21
